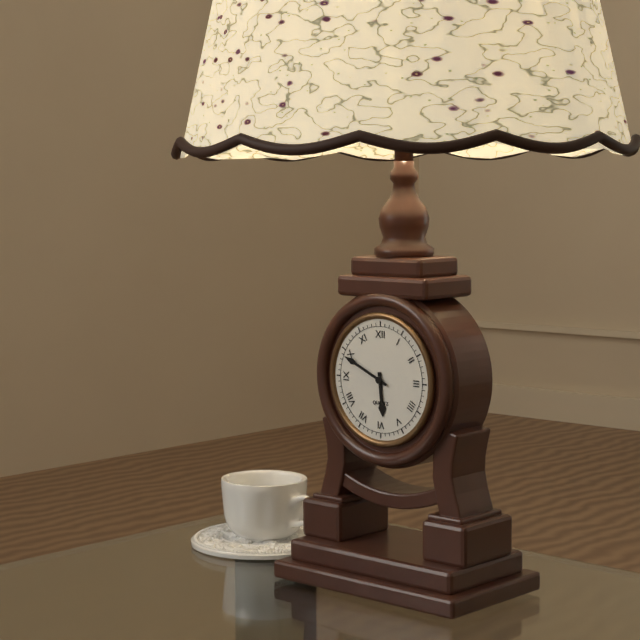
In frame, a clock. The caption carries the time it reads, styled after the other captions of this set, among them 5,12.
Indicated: 5,49
